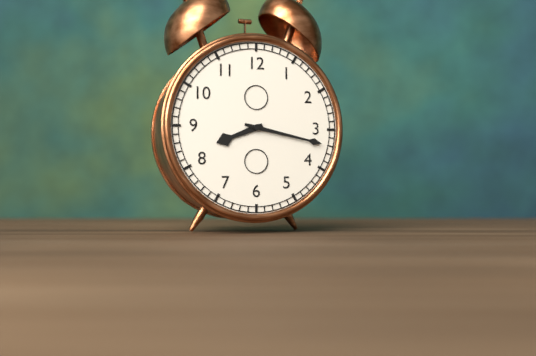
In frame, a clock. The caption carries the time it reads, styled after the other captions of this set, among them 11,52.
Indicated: 8,17
